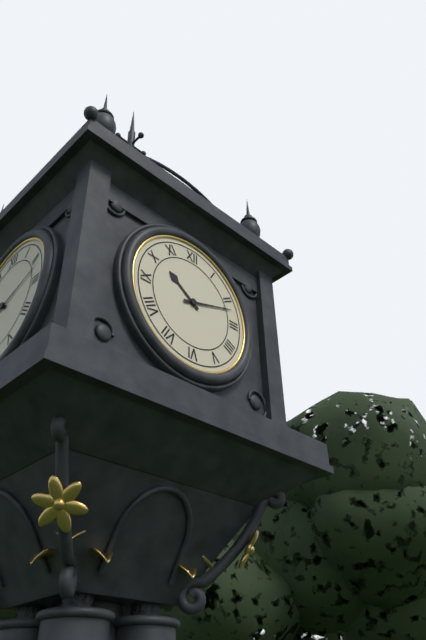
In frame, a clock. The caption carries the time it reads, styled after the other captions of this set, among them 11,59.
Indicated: 10,12
